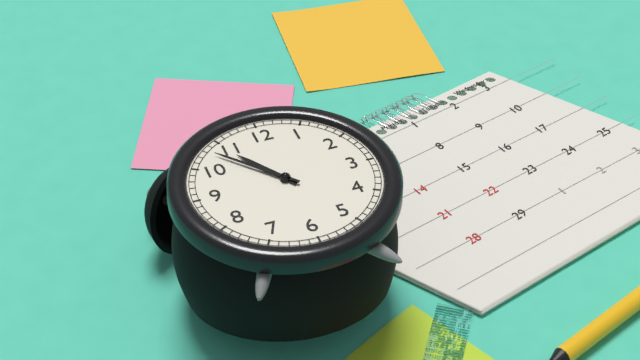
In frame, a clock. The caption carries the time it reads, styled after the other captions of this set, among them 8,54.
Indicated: 10,53
